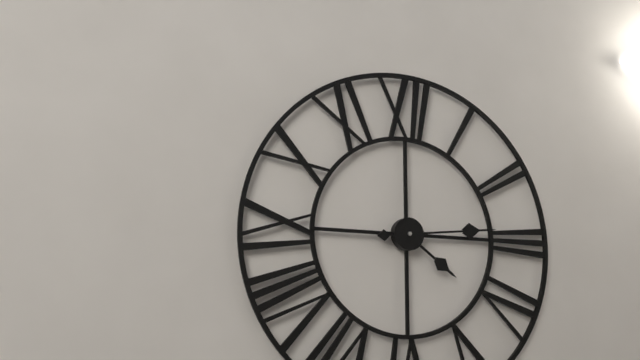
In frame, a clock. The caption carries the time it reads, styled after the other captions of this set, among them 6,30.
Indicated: 4,14
